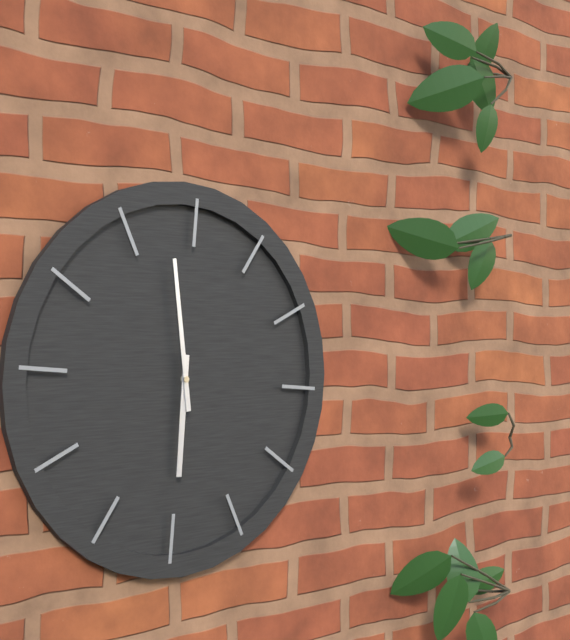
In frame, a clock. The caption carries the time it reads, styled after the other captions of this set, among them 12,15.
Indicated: 5,58
